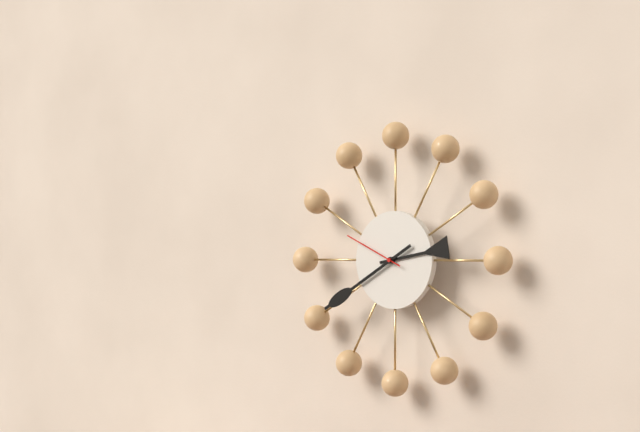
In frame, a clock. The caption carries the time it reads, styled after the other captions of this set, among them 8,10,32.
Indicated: 2,40,49
